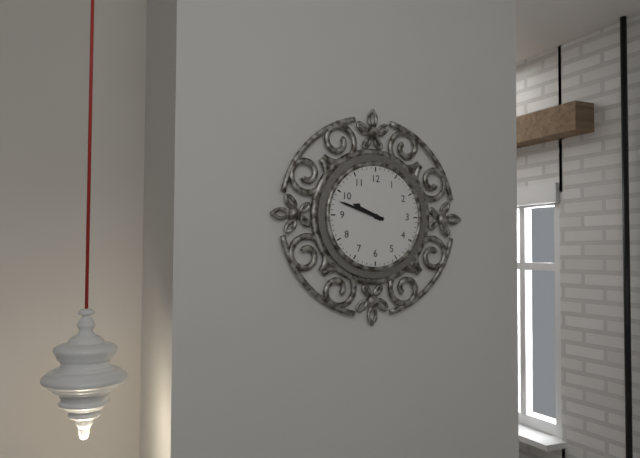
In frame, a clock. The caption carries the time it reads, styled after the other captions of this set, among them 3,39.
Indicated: 9,48
